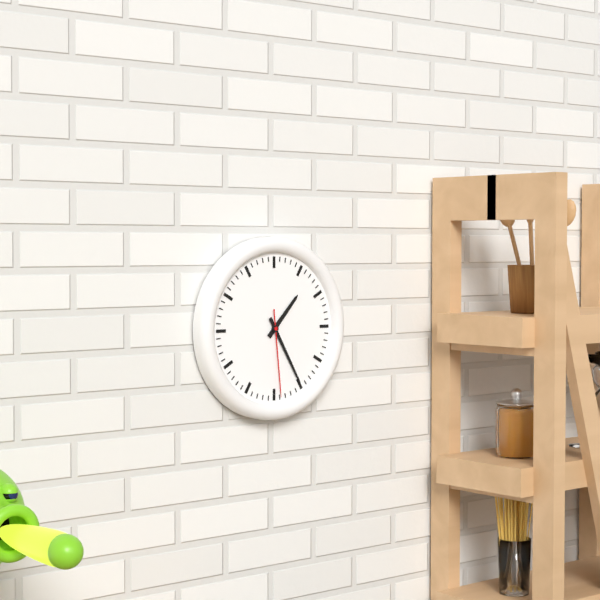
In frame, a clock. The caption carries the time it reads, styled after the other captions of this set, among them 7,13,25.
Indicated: 1,25,29
